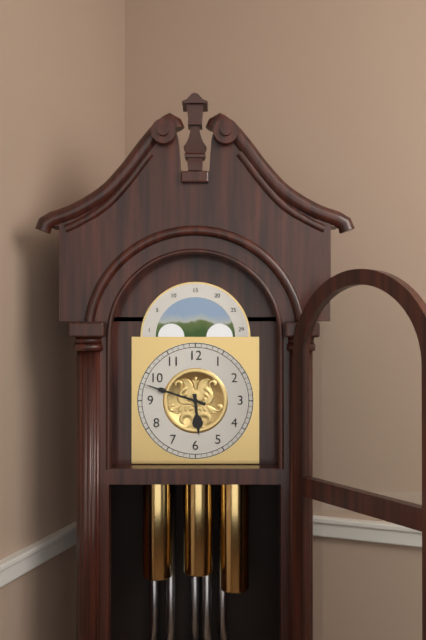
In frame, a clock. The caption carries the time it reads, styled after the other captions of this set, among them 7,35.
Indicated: 5,48
